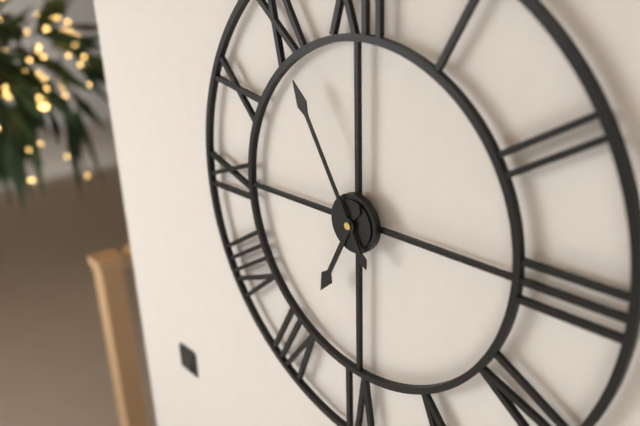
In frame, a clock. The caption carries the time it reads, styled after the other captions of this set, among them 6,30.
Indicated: 6,55
